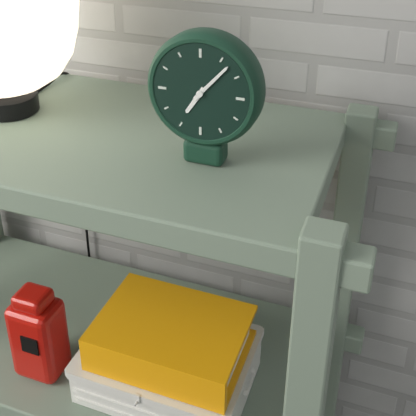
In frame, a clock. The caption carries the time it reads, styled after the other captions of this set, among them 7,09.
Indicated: 7,07
